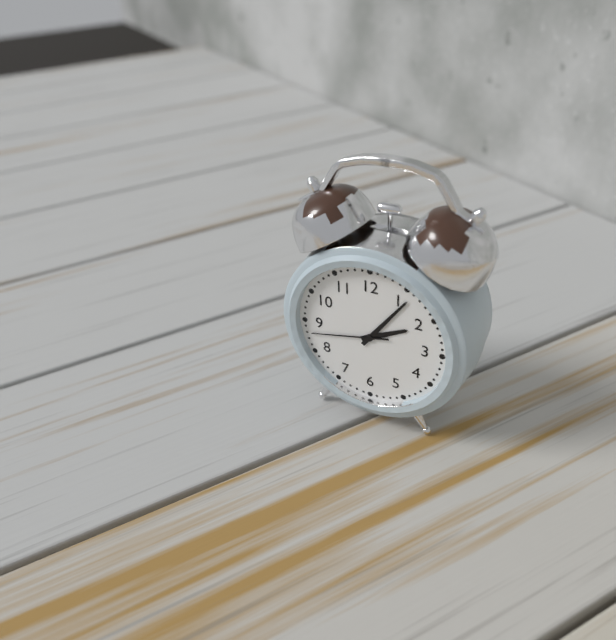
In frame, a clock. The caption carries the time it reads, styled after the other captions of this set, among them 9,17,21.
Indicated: 2,06,43
